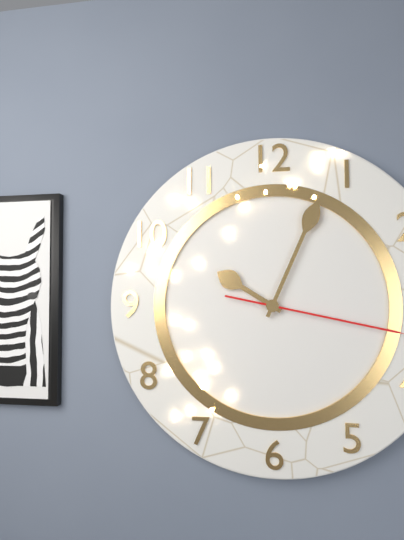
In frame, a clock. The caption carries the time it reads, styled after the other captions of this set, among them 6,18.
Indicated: 10,04
